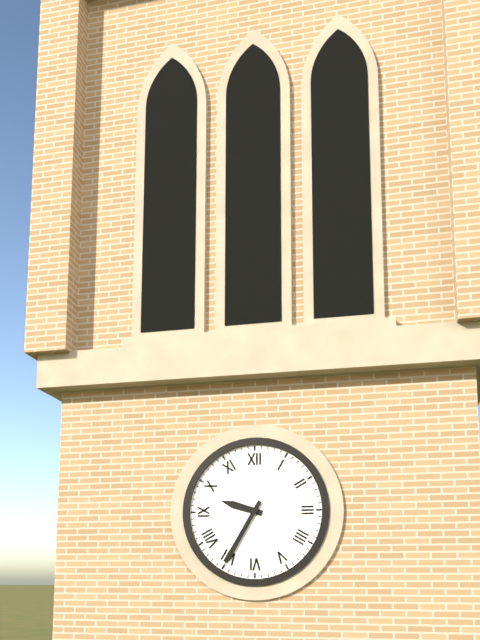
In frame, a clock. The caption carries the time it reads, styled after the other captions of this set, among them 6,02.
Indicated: 9,35
